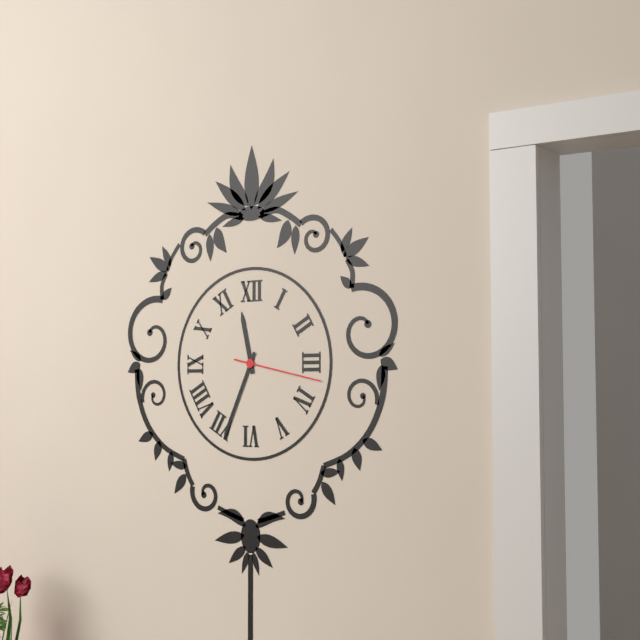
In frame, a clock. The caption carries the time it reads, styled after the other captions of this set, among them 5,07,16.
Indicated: 11,34,17
